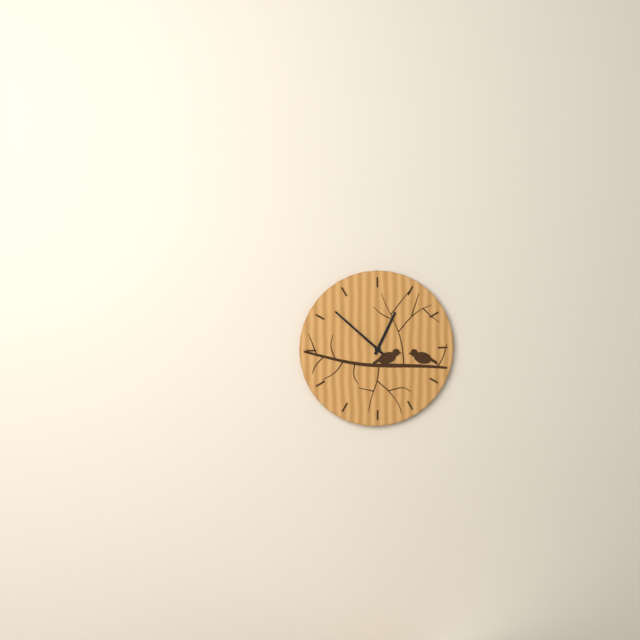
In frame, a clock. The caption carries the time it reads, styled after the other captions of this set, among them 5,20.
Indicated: 12,52
